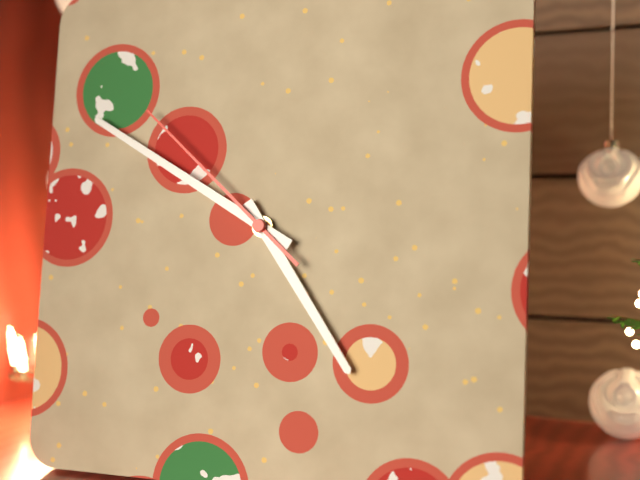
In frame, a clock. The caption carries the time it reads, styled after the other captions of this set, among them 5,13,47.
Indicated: 4,50,52
